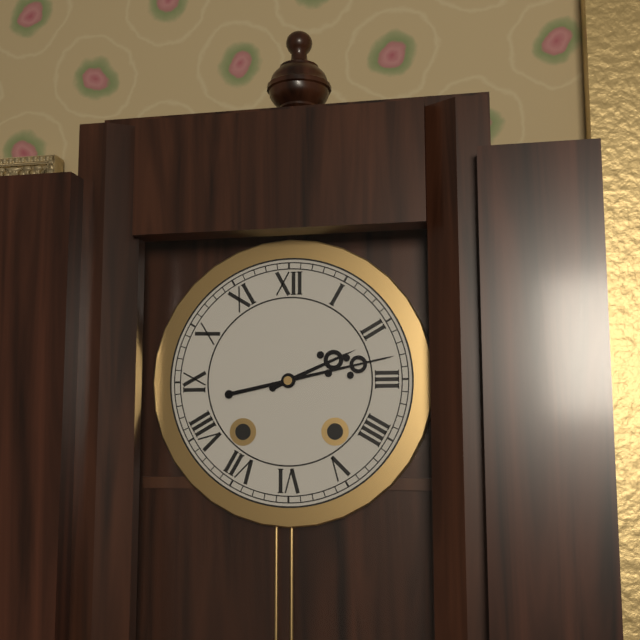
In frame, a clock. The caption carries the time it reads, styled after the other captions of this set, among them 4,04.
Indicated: 2,13
